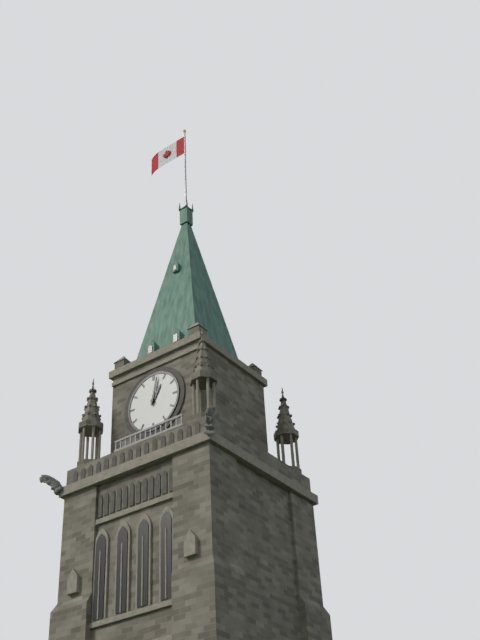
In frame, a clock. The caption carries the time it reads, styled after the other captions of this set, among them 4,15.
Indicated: 1,02
